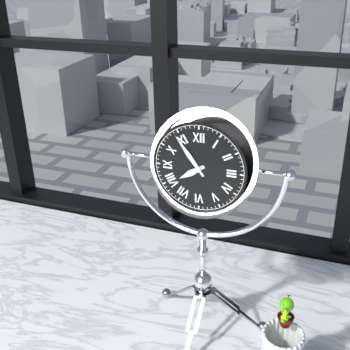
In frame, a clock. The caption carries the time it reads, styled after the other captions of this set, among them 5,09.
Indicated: 7,54
